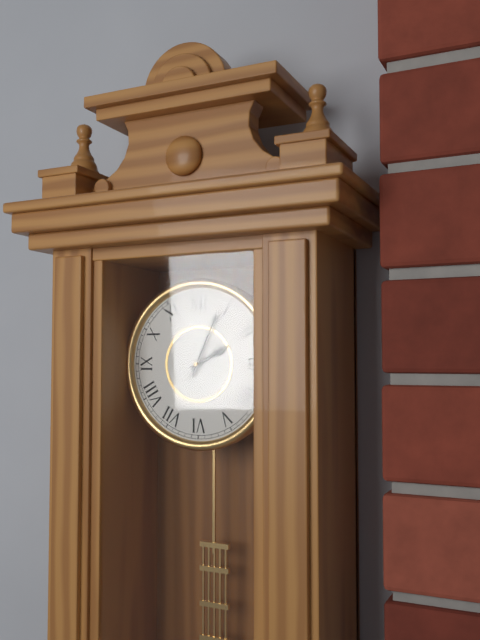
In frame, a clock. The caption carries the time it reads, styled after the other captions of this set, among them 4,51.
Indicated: 2,04
